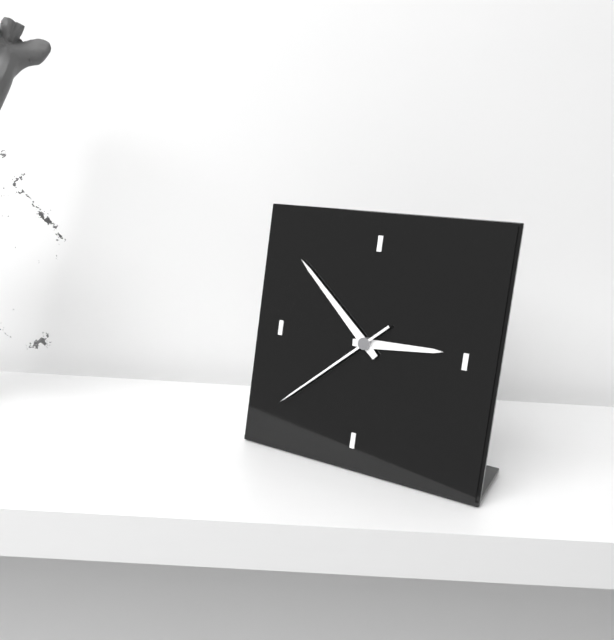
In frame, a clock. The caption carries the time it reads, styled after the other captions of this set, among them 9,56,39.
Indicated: 2,52,38
